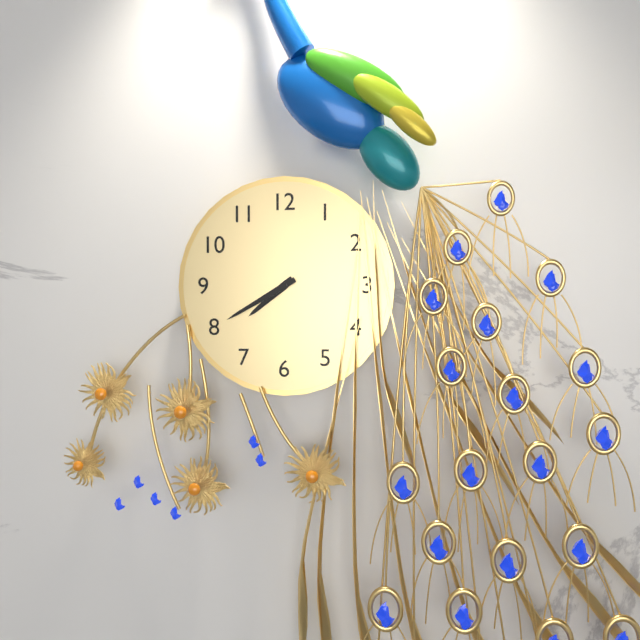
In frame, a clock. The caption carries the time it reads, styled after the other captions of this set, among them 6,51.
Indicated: 7,40
